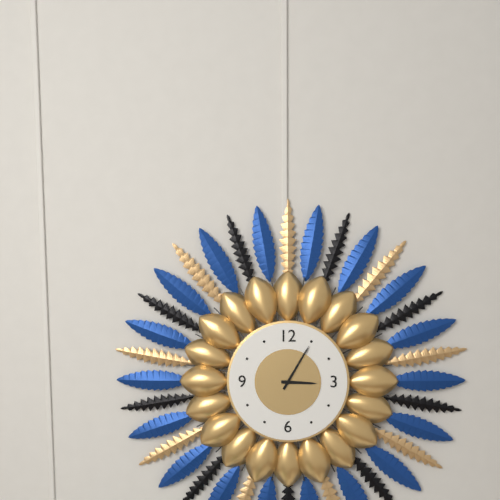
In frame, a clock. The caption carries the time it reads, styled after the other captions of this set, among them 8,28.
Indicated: 3,05
